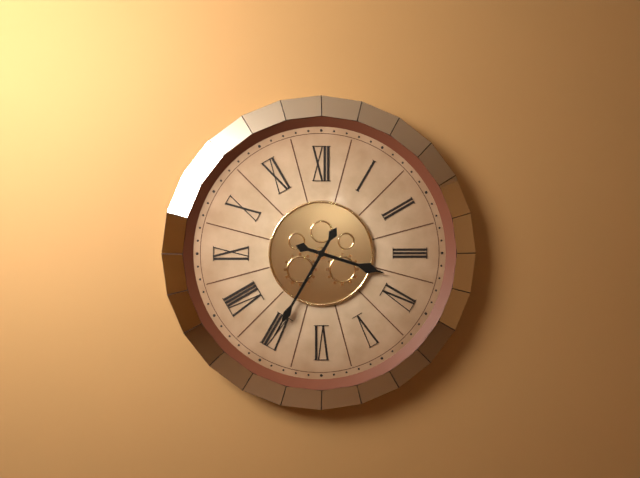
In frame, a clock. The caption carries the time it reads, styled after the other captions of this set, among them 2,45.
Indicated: 3,35
